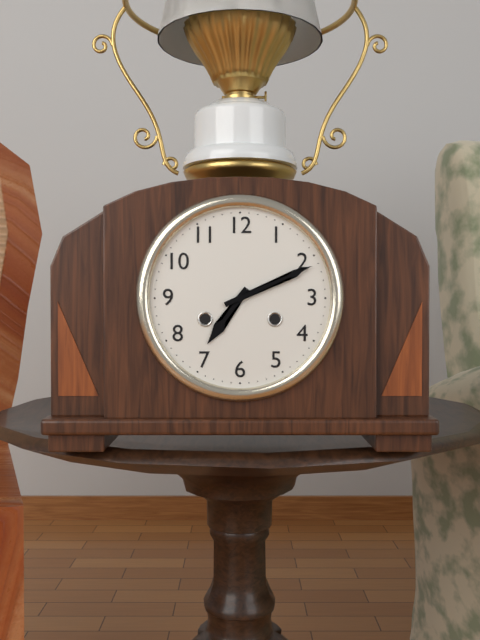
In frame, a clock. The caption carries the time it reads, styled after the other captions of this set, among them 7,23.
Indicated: 7,11
